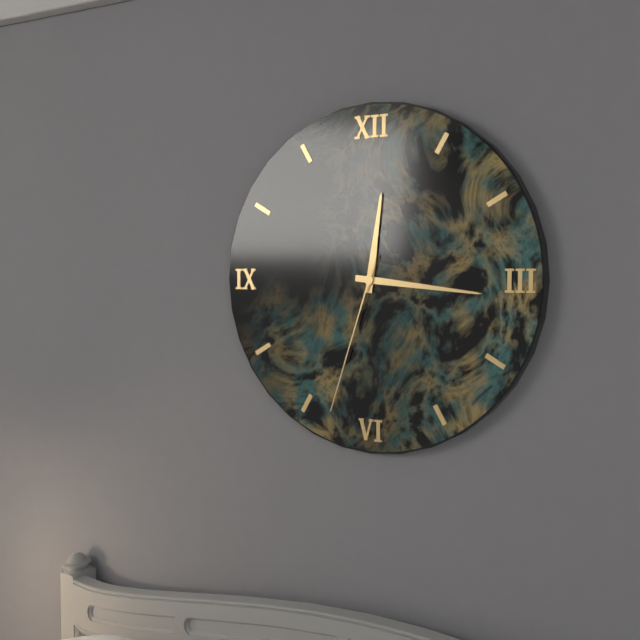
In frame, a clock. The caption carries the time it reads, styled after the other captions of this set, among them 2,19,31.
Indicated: 12,16,33
